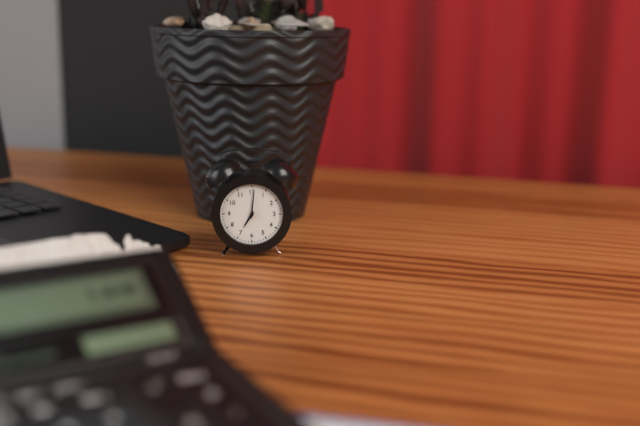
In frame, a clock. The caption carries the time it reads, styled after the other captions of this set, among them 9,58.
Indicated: 7,01
